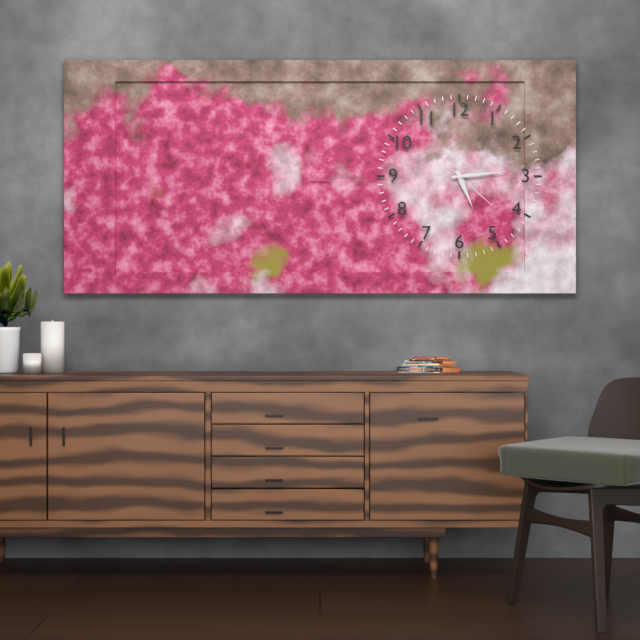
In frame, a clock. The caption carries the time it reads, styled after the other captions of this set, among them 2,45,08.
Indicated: 5,14,22
